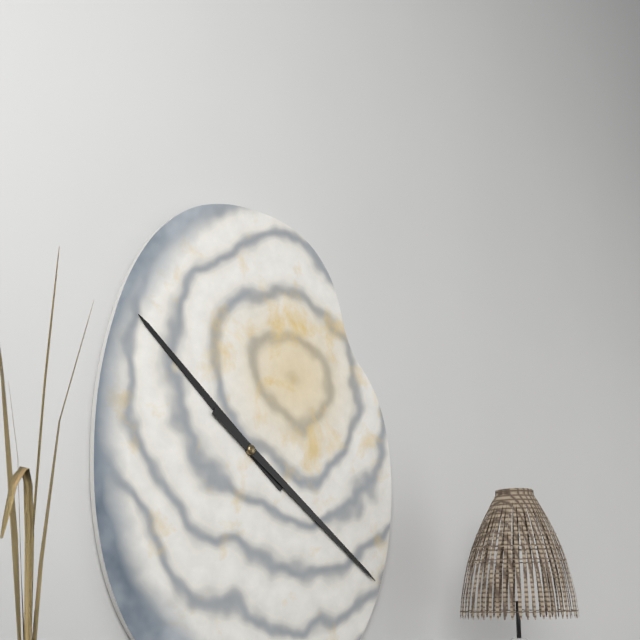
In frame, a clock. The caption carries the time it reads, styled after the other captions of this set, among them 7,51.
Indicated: 10,21
